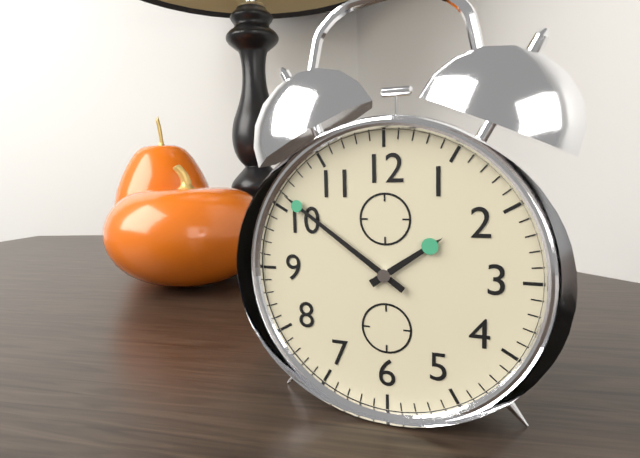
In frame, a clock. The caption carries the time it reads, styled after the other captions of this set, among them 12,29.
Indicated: 1,51
